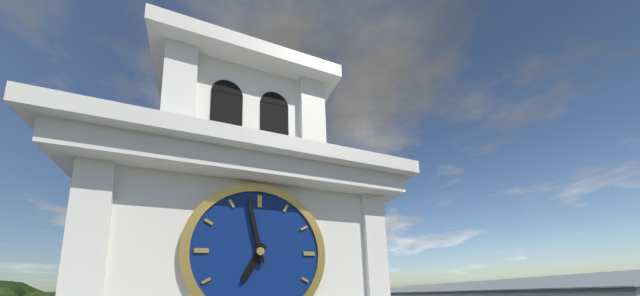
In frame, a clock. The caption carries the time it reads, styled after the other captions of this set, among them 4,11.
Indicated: 6,58
